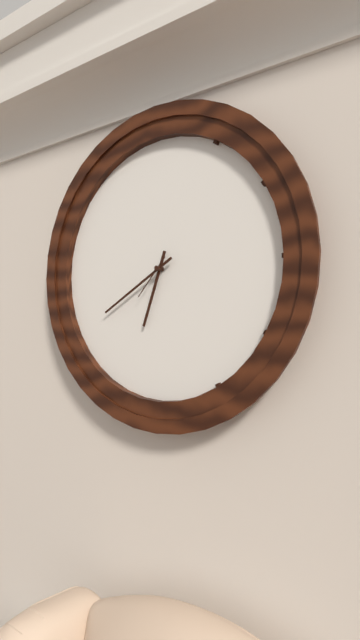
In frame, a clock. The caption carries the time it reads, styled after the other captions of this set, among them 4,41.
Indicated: 6,40
